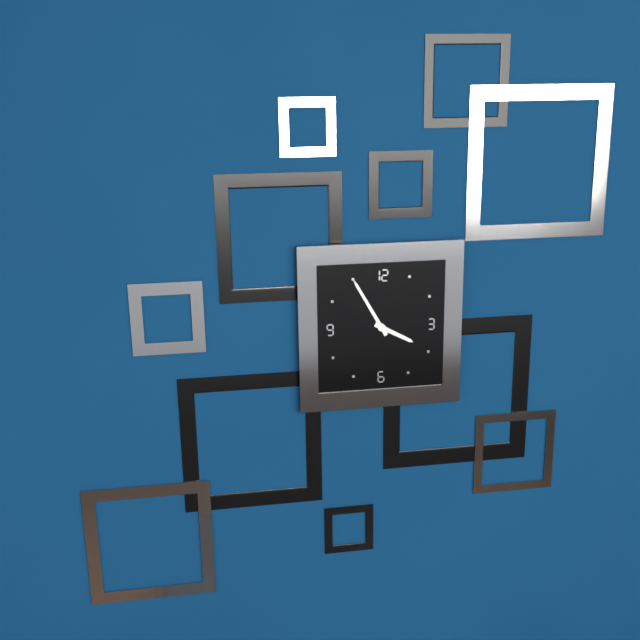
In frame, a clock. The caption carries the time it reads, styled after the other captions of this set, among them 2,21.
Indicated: 3,55
